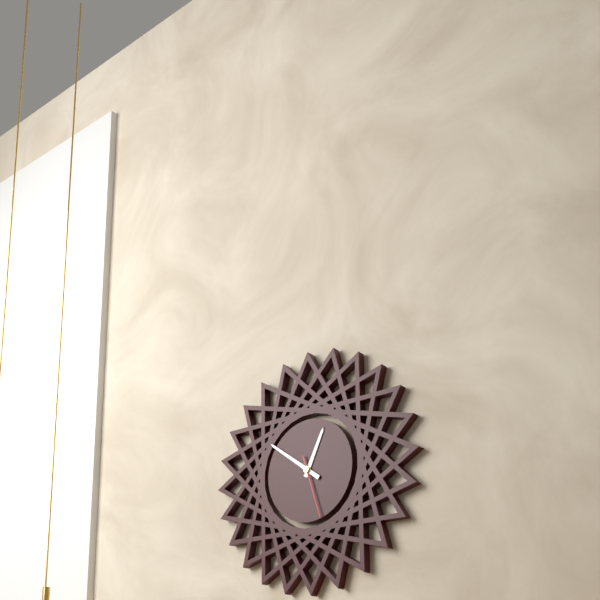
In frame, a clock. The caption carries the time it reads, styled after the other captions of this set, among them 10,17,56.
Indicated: 12,51,27
